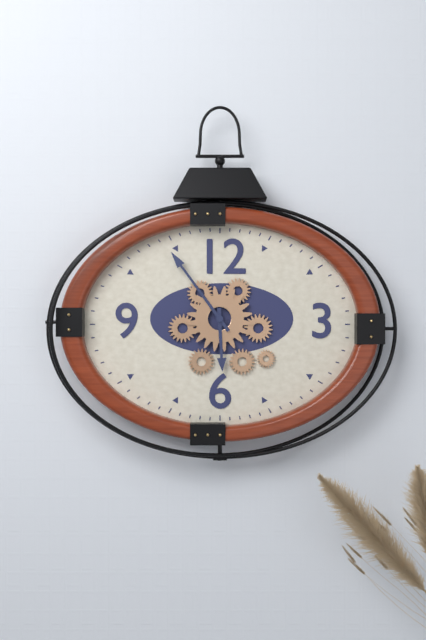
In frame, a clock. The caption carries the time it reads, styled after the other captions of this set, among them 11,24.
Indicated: 5,54
